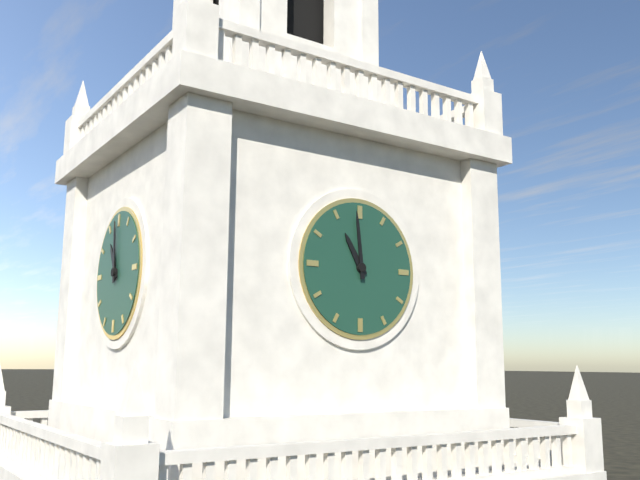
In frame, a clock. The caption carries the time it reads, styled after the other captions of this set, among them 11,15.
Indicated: 10,59
